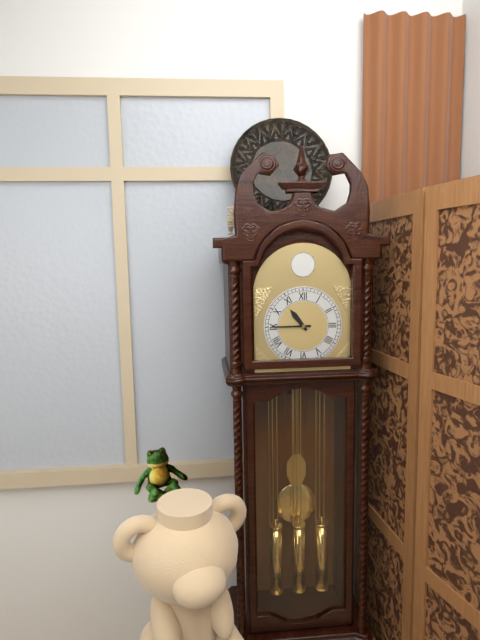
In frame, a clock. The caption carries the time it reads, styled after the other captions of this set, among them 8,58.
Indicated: 10,45
